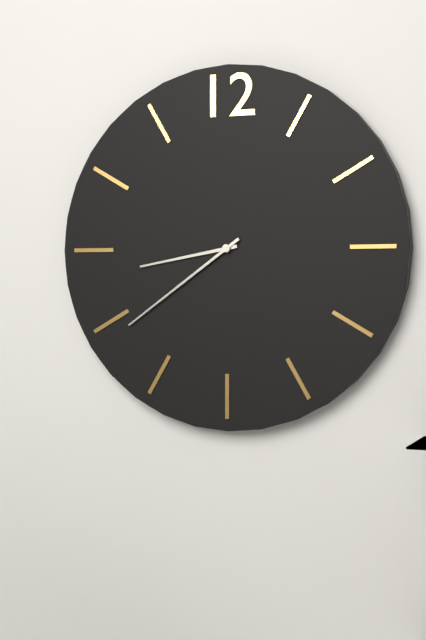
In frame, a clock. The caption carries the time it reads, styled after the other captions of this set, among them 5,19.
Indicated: 8,39
